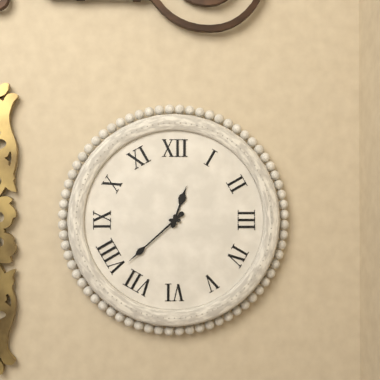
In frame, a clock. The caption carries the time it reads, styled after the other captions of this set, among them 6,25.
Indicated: 12,38
